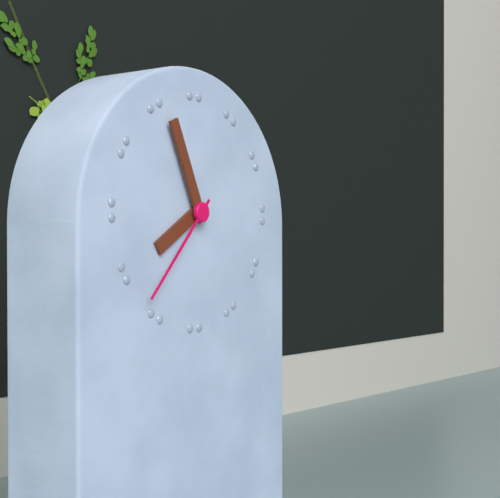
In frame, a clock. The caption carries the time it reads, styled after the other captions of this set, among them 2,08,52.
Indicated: 7,56,37
